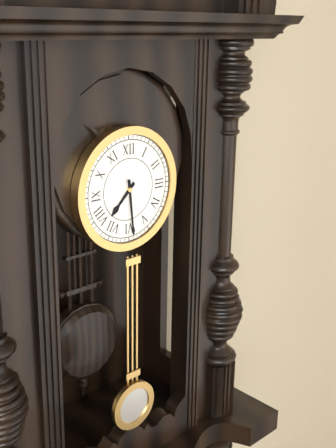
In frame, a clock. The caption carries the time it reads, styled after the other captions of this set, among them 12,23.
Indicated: 7,29
